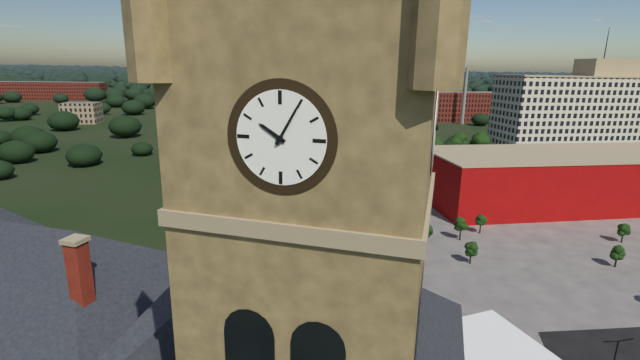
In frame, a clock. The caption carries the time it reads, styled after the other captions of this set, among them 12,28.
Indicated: 10,05
